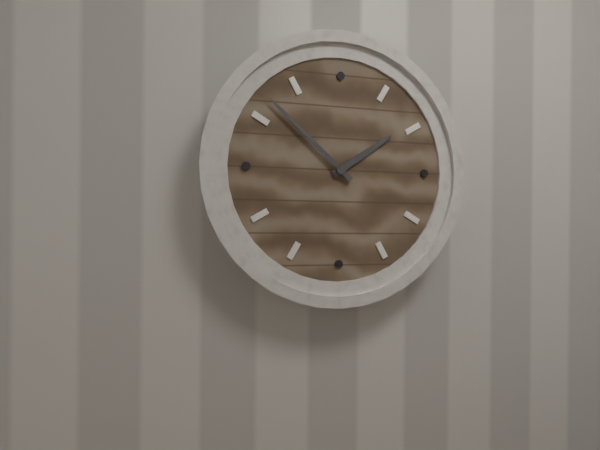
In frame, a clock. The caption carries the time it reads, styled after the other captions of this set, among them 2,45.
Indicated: 1,52
